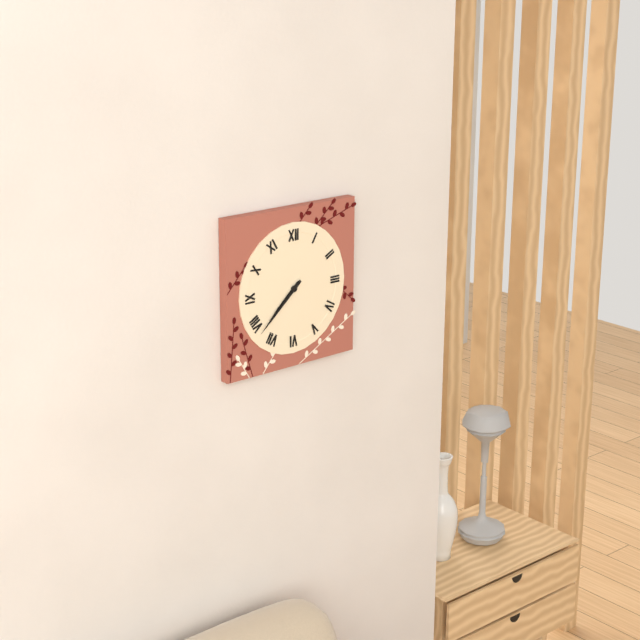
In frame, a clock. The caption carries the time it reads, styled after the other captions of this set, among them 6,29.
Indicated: 7,38
